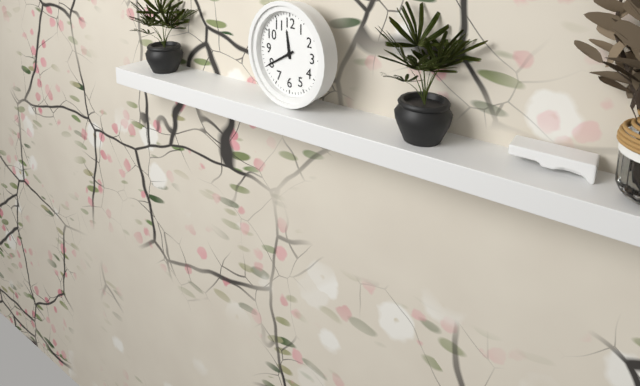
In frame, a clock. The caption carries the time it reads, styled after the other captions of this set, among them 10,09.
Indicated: 11,40
